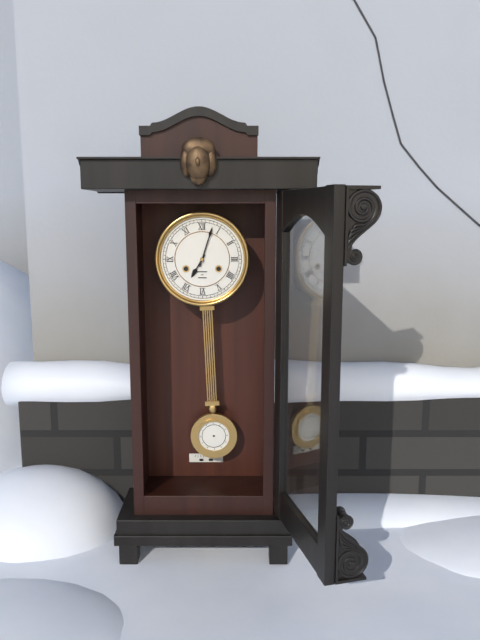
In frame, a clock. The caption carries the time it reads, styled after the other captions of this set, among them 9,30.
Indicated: 7,03
